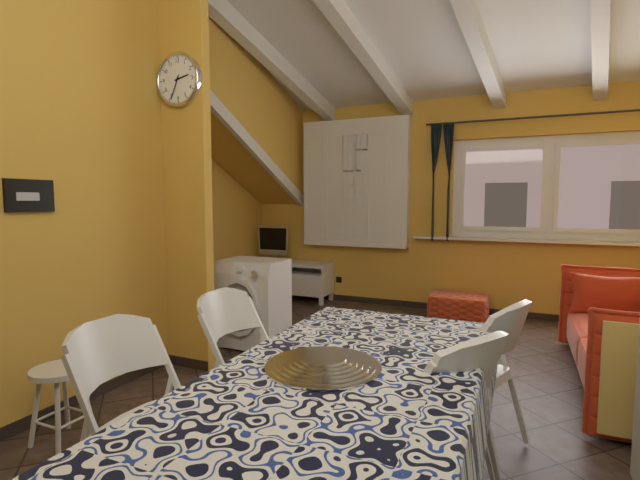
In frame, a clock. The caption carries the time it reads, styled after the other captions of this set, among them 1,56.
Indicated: 2,34
